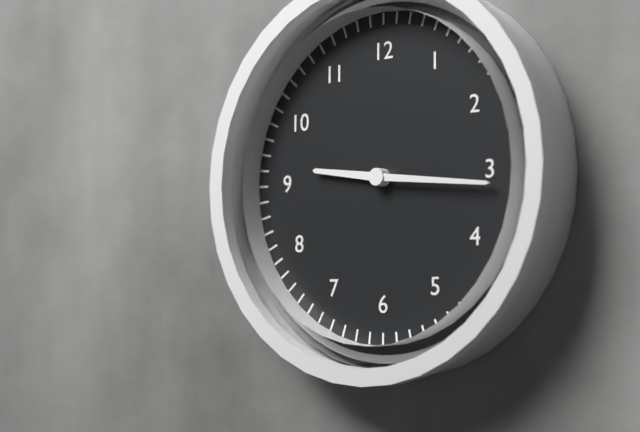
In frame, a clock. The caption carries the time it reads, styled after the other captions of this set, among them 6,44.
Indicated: 9,16
